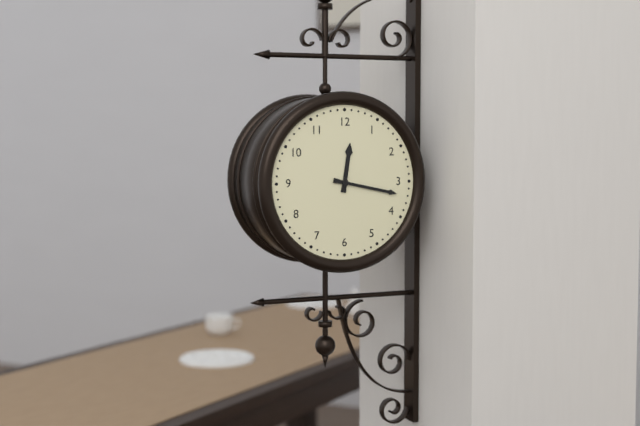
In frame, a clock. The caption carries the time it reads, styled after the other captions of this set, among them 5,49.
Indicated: 12,17
